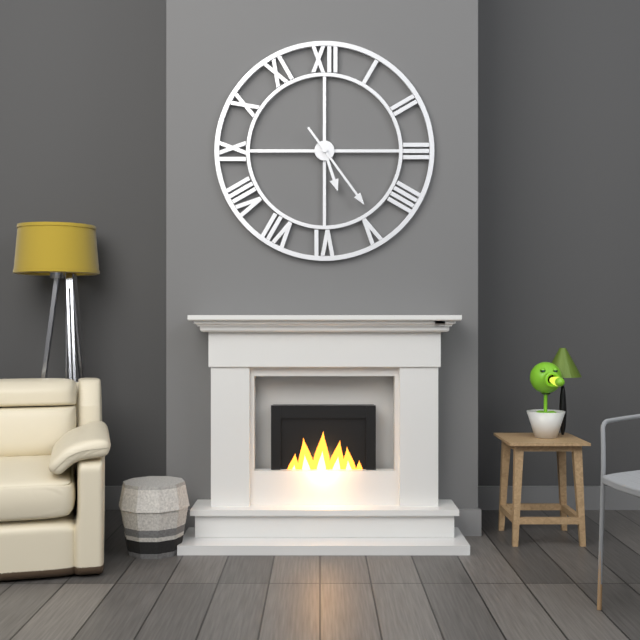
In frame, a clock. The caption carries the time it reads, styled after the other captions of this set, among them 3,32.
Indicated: 5,24
